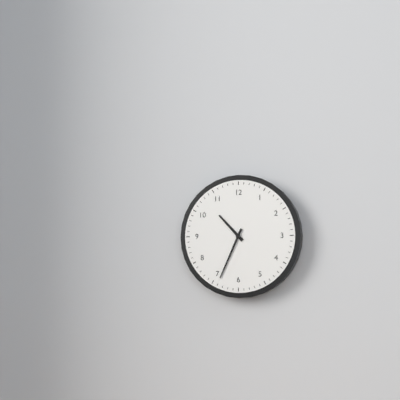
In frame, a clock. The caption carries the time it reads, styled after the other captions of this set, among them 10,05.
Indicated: 10,34
